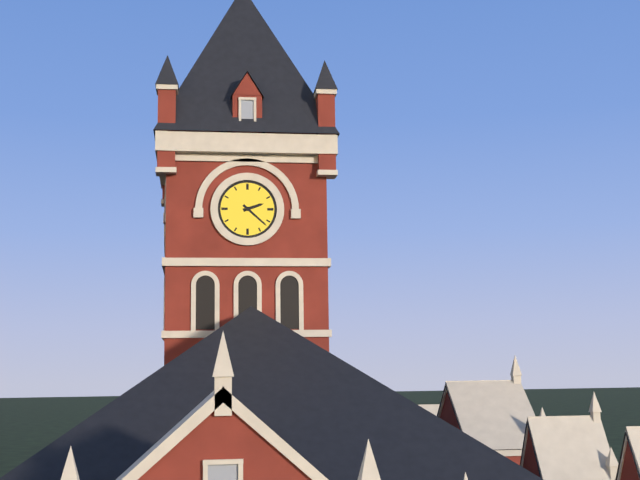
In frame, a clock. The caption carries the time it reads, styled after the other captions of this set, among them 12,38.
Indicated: 2,22
